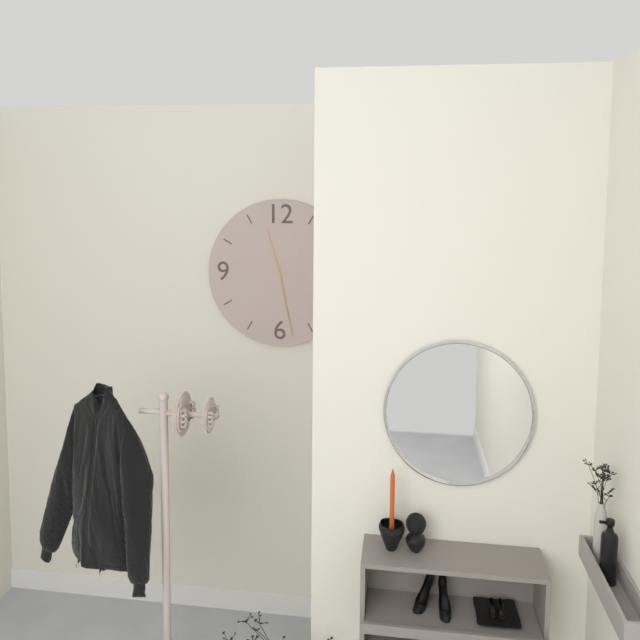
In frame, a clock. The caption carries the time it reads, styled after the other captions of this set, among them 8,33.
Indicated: 11,28
